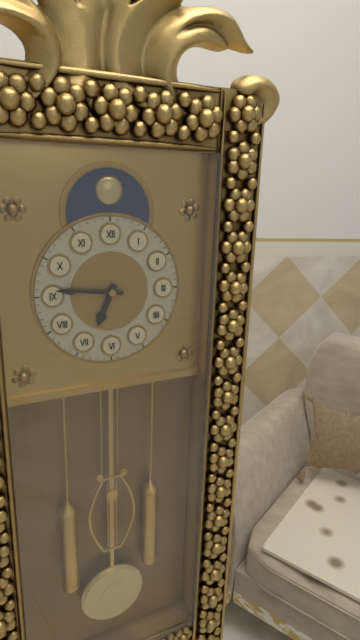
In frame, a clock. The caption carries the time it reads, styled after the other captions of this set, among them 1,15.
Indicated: 6,46
